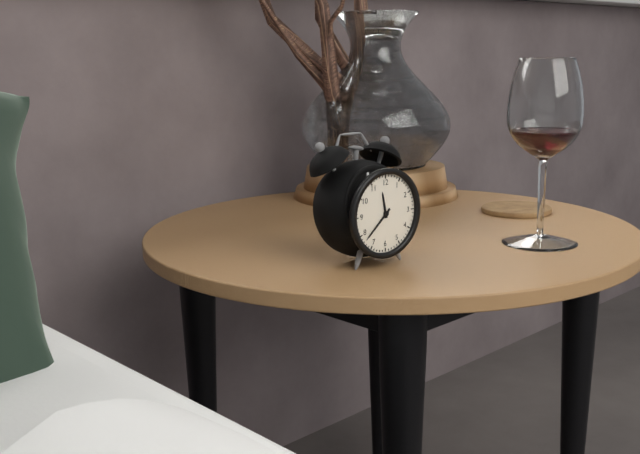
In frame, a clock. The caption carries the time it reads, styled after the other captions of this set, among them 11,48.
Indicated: 11,38
